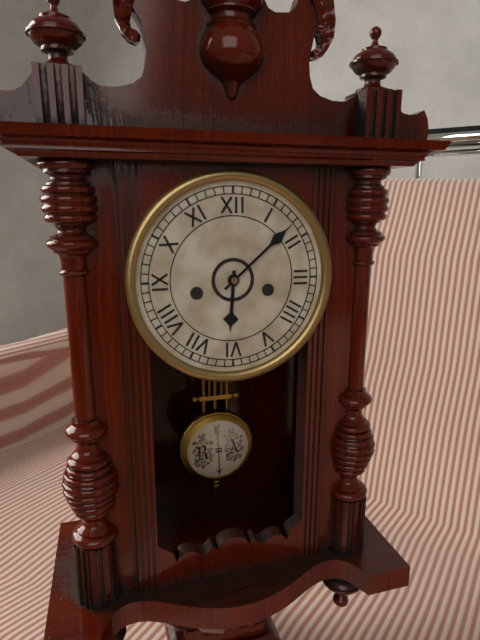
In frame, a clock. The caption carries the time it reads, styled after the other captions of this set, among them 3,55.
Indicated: 6,08
